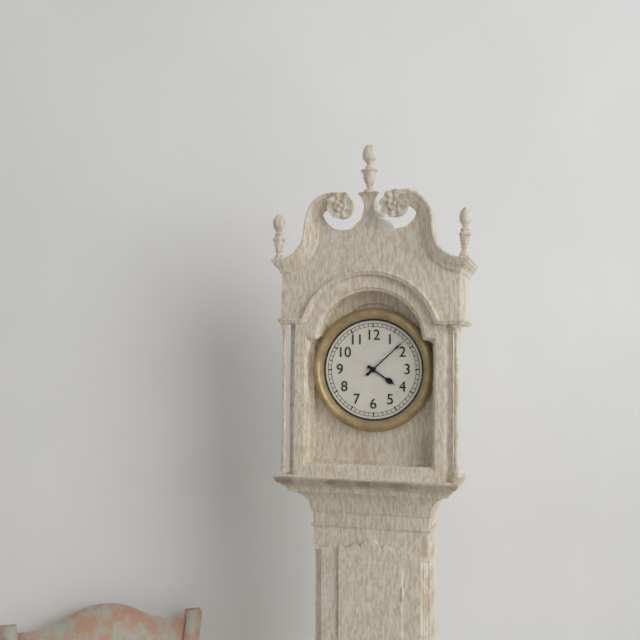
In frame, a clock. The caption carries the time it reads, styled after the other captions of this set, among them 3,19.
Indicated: 4,08
